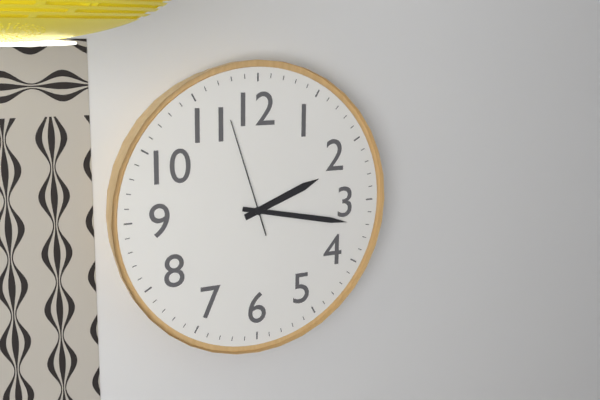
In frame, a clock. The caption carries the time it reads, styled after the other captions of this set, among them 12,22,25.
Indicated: 2,17,57
